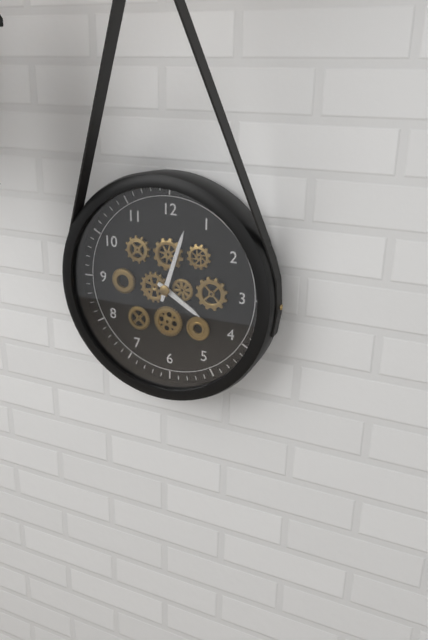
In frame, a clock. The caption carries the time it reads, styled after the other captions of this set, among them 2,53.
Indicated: 4,03
